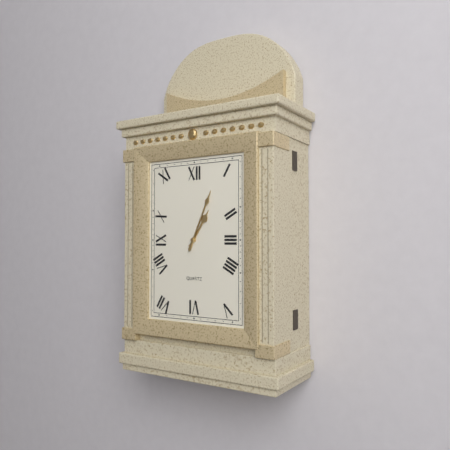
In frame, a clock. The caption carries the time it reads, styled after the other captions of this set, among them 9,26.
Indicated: 1,04
